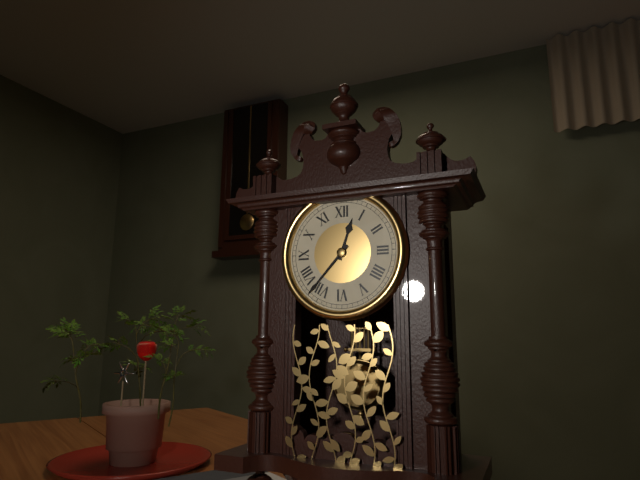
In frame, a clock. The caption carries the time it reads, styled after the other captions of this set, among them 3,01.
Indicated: 12,37
